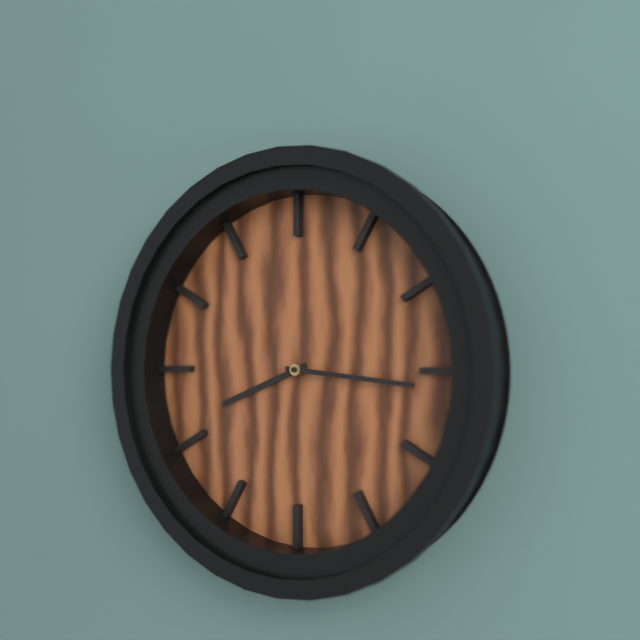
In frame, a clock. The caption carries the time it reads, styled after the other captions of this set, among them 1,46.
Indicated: 8,16
